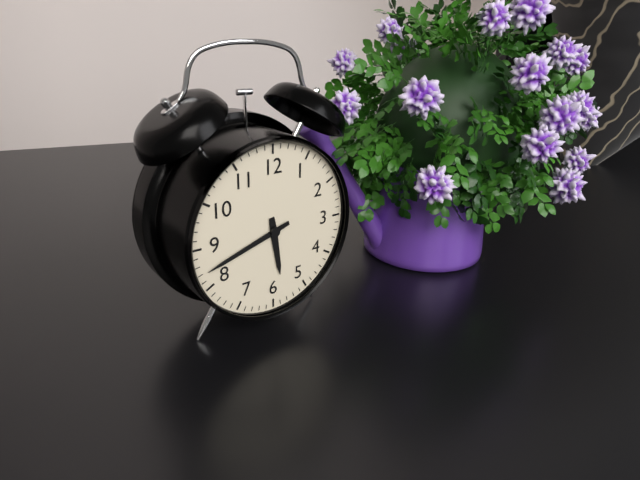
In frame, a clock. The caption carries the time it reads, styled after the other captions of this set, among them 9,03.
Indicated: 5,42
